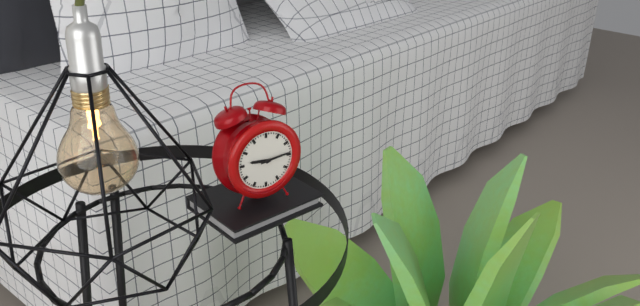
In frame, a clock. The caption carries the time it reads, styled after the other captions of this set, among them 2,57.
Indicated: 9,14
